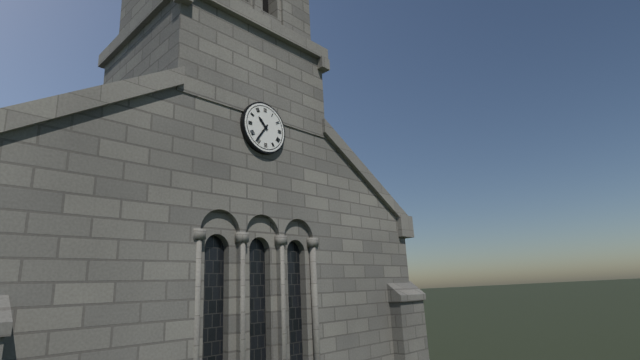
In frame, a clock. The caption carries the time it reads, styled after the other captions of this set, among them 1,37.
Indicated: 10,36
